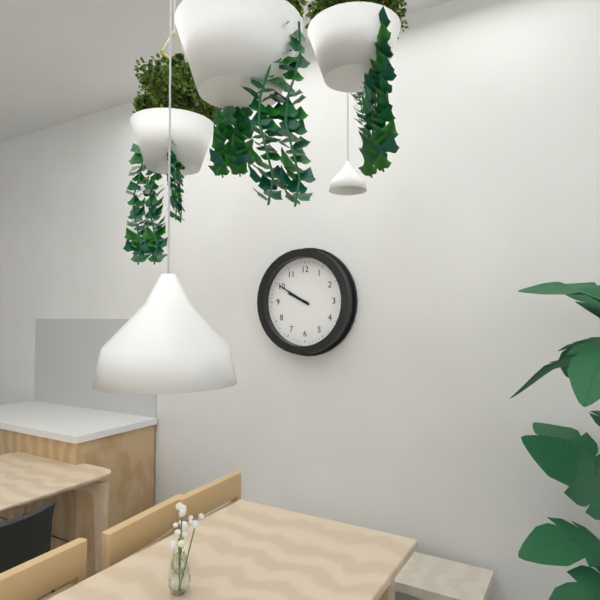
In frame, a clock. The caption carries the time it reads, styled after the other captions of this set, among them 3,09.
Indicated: 9,50
